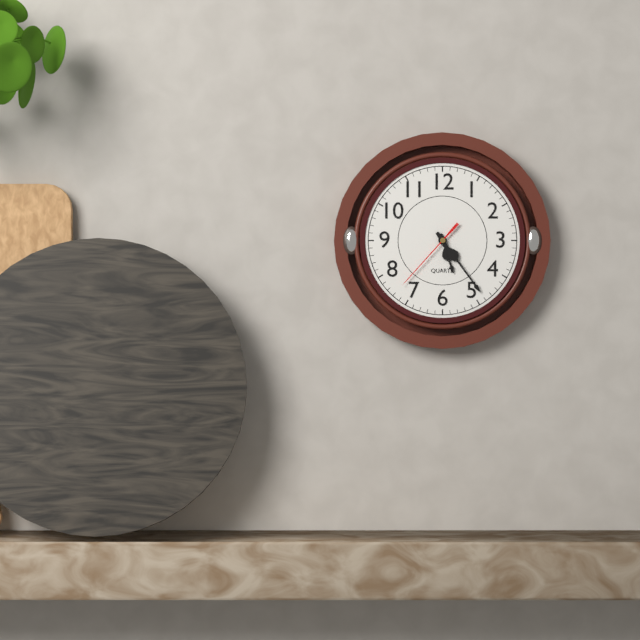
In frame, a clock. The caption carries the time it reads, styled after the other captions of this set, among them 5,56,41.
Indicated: 5,24,37
